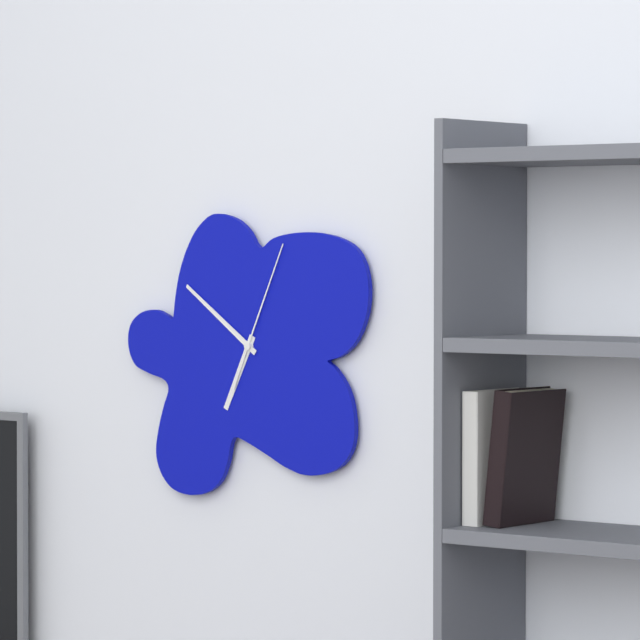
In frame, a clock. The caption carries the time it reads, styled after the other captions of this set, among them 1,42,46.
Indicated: 6,51,04
